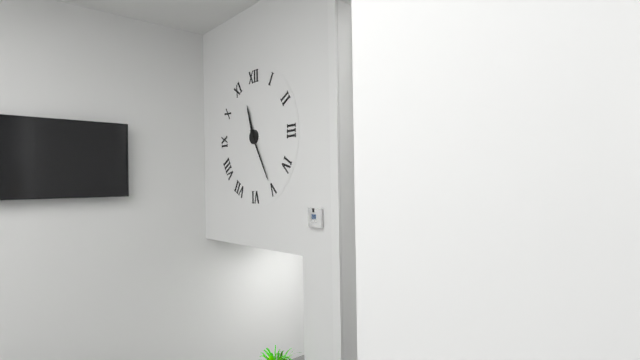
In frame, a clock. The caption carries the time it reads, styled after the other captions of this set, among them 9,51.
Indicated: 11,25
